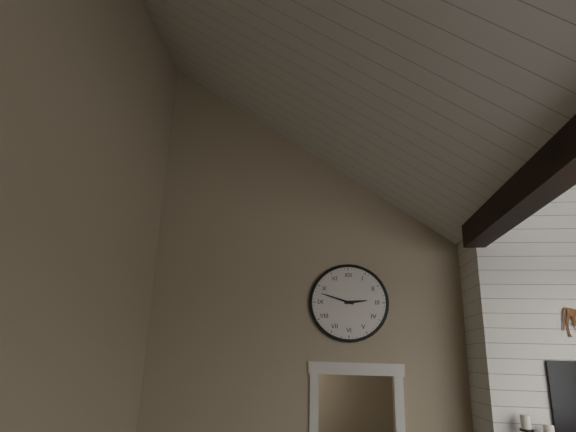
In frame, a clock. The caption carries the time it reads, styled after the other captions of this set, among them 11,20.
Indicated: 2,48
